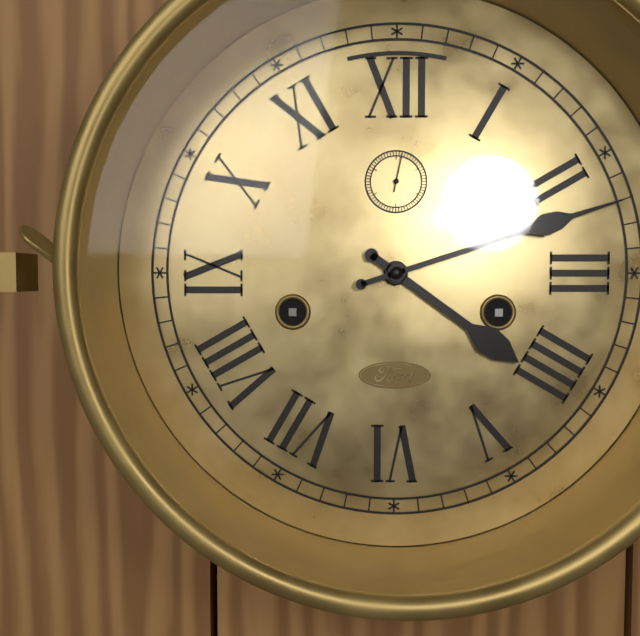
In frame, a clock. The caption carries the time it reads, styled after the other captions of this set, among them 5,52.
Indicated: 4,12
